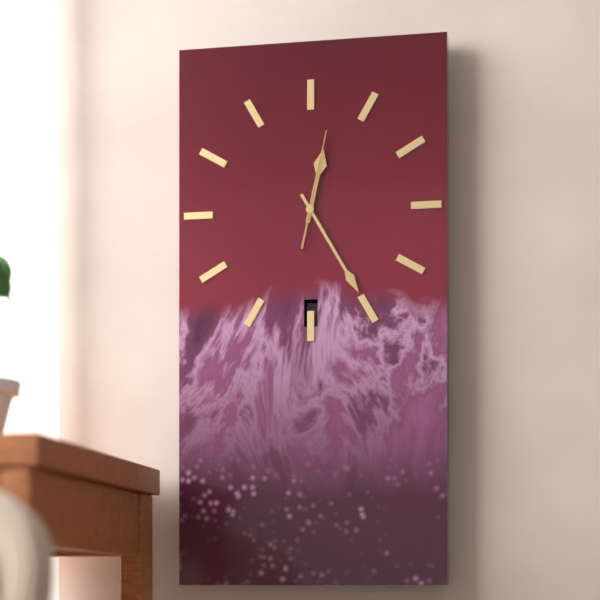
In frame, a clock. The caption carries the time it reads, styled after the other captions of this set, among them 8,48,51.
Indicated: 12,25,02
